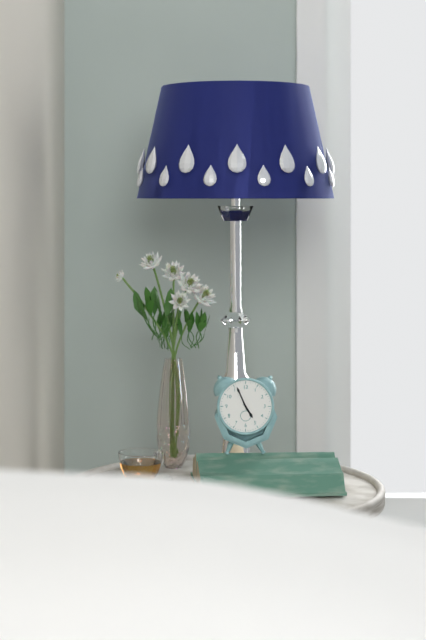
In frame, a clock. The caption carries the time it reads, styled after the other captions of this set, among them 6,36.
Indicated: 4,56
